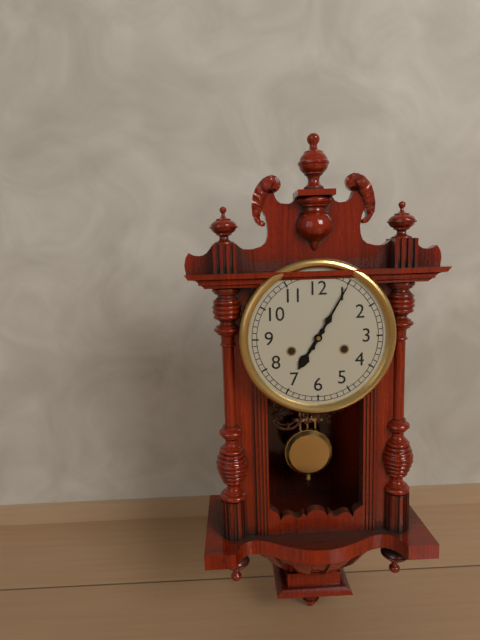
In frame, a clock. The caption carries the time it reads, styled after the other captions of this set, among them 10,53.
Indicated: 7,05
